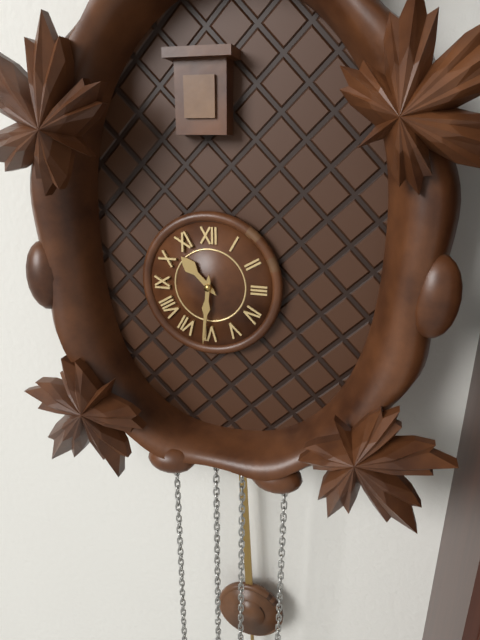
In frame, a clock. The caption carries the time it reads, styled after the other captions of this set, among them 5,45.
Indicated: 10,31
